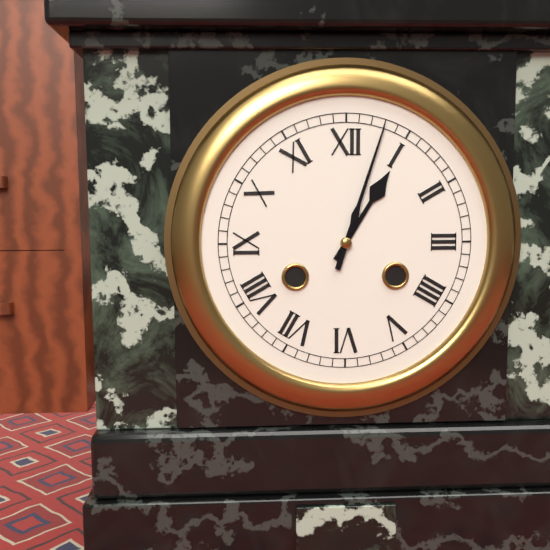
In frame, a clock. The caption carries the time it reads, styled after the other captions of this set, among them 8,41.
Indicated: 1,03
